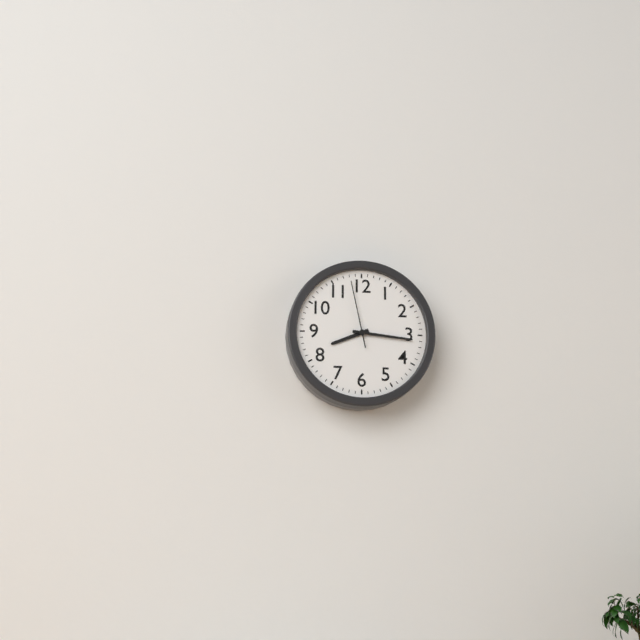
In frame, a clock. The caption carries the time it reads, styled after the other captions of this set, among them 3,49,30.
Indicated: 8,16,58
